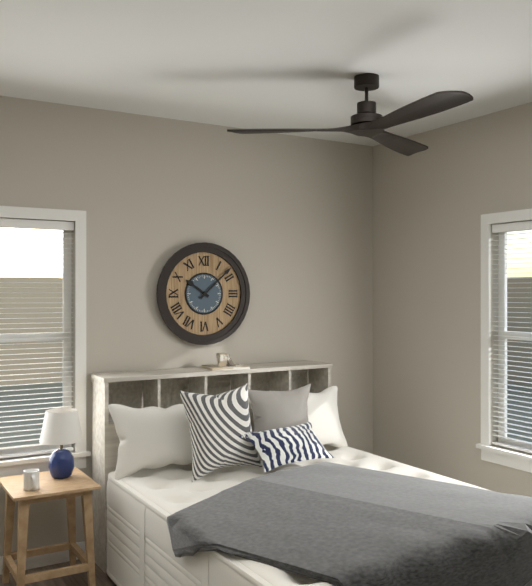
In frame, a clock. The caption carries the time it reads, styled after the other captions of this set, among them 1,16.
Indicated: 10,08
